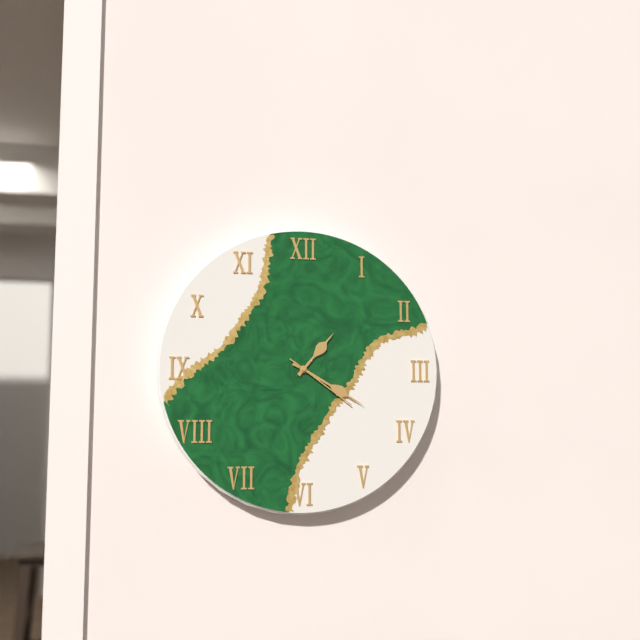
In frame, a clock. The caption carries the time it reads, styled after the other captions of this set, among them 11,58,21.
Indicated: 1,20,21
